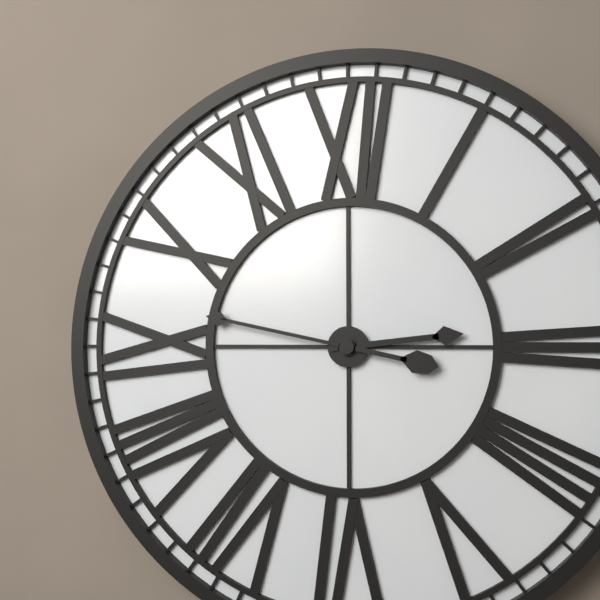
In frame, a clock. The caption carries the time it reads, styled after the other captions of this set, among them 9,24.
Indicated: 2,47
